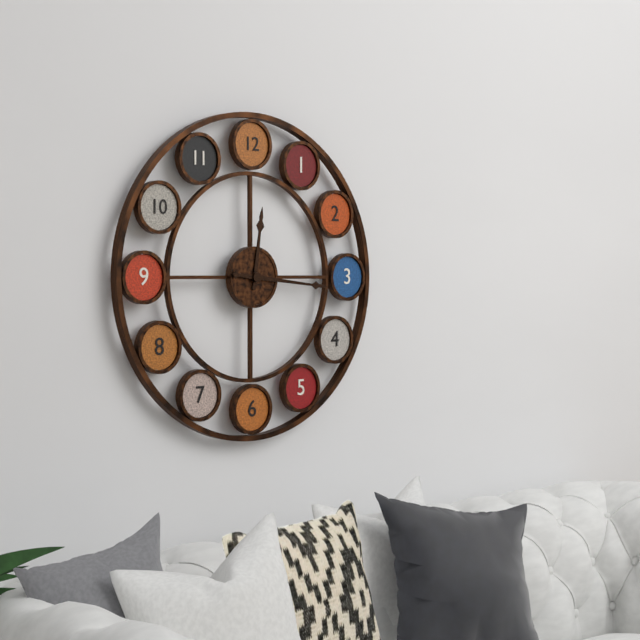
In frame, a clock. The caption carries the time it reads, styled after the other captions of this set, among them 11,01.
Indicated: 12,16
